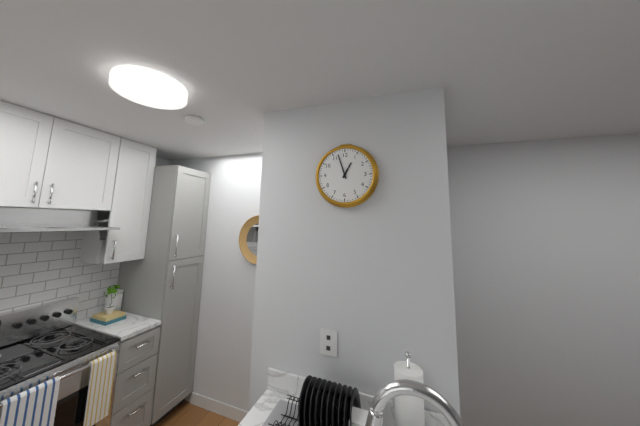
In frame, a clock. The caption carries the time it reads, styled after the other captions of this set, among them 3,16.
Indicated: 12,57
